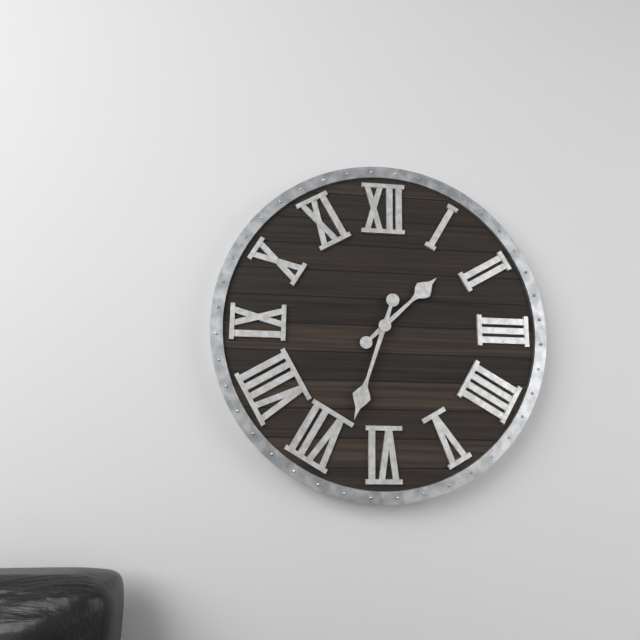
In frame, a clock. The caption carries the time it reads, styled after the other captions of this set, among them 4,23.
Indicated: 1,33
